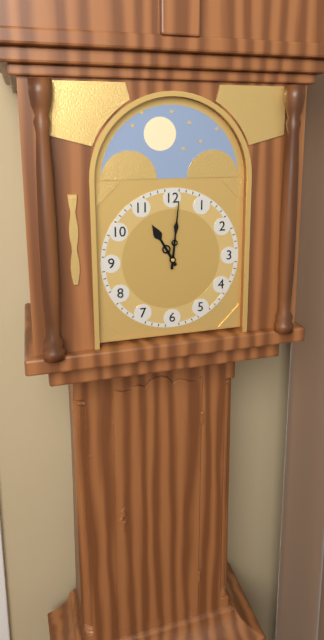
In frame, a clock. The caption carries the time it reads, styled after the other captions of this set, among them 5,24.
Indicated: 11,01
